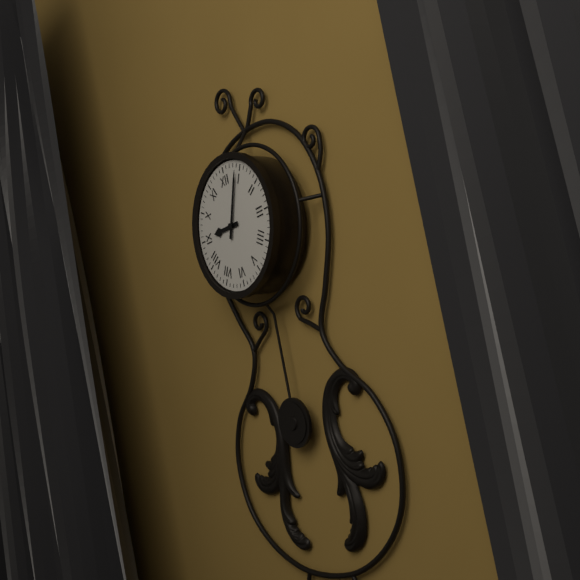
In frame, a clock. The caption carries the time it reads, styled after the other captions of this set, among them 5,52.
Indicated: 9,04
